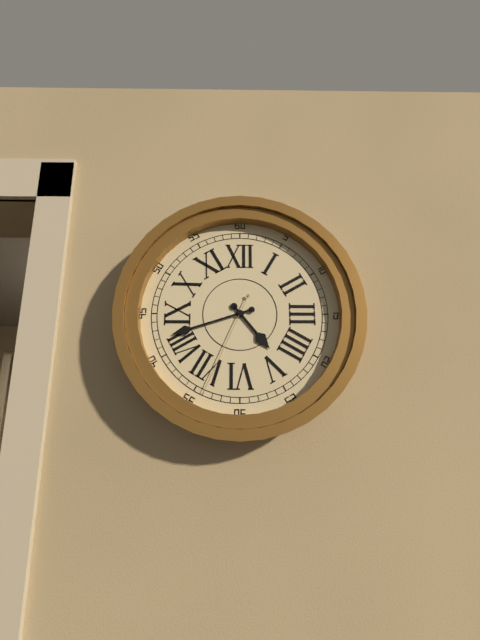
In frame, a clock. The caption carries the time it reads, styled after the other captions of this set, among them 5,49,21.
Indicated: 4,42,34
